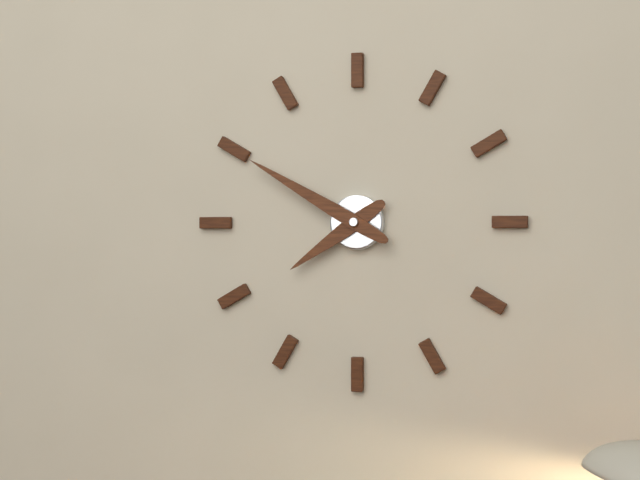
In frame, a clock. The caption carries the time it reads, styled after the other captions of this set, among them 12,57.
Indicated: 7,50
